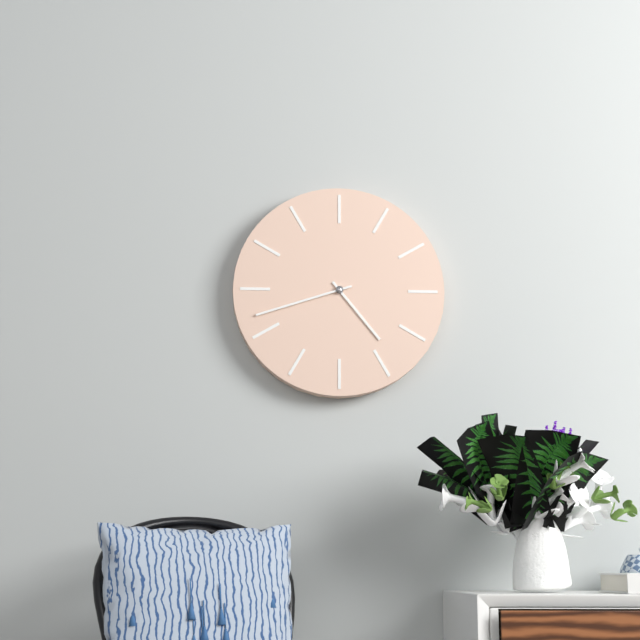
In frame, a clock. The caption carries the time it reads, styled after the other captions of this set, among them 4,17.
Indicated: 4,42
